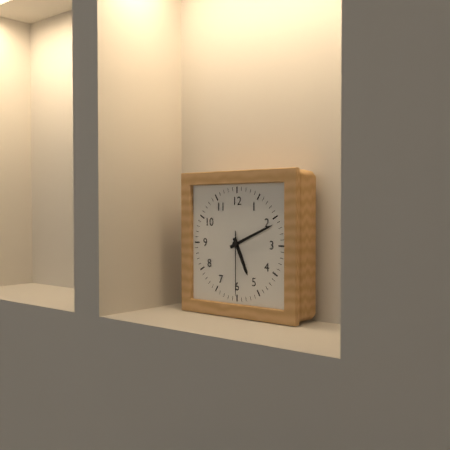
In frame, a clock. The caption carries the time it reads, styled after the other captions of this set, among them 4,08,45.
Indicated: 5,11,30
